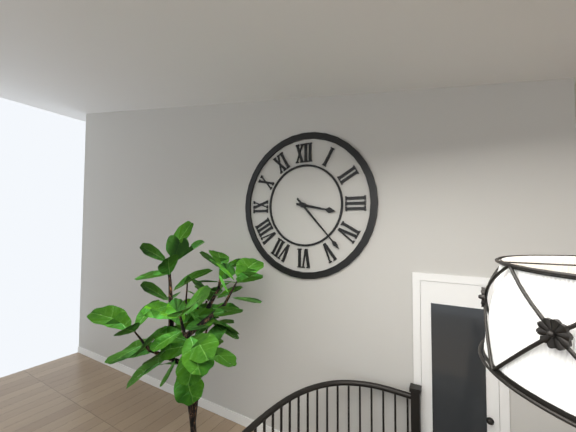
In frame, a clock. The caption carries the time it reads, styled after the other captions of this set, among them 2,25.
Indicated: 3,23
